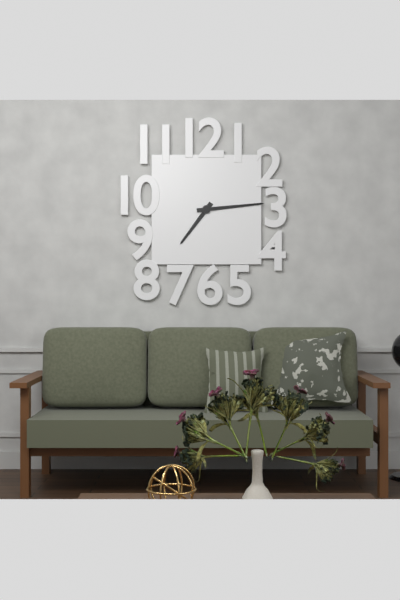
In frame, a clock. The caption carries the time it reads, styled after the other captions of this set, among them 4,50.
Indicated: 7,14
